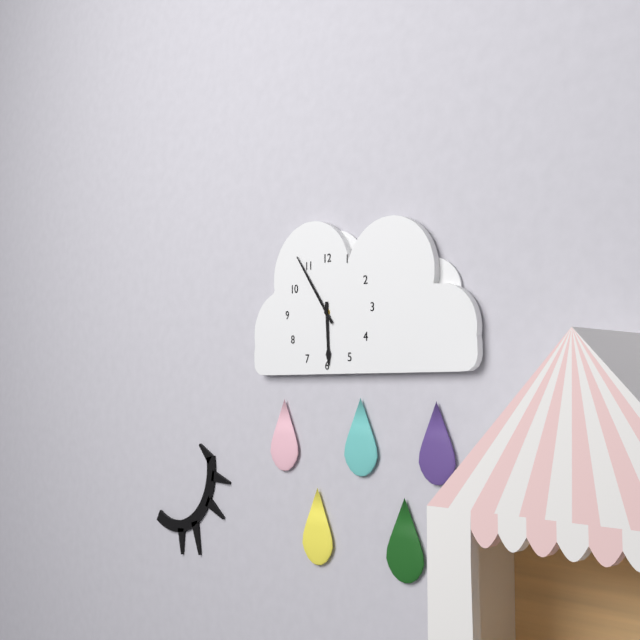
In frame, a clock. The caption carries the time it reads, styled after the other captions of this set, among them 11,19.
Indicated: 5,54
